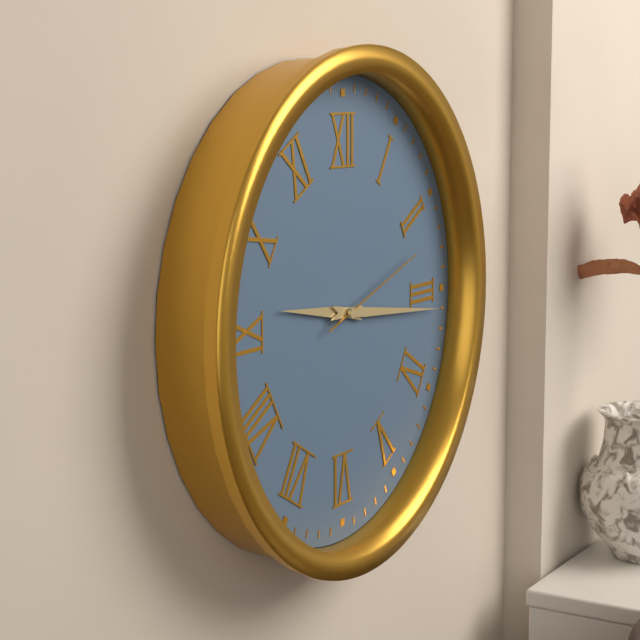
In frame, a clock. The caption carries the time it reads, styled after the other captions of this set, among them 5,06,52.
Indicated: 9,16,12
